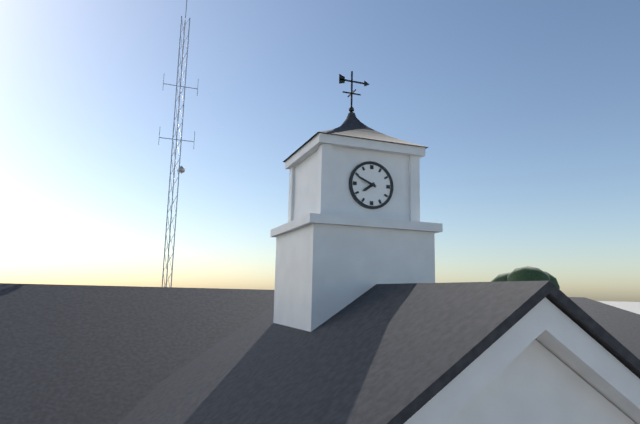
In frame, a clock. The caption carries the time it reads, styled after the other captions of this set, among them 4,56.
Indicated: 7,49
